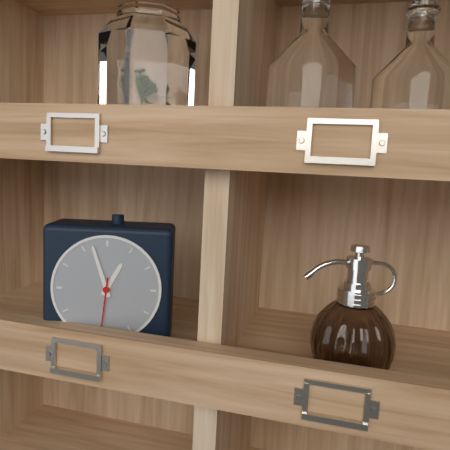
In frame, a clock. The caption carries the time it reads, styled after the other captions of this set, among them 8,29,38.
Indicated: 12,57,31
